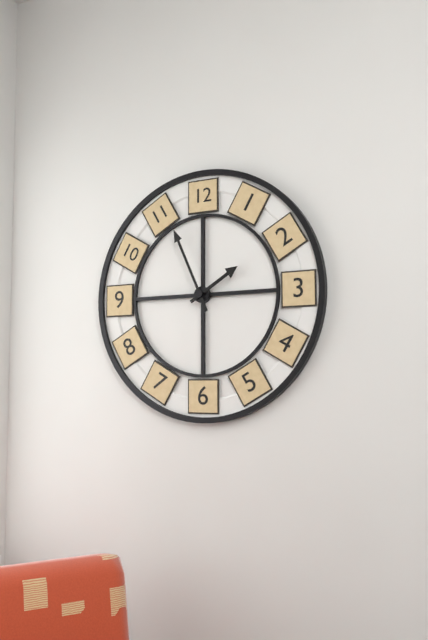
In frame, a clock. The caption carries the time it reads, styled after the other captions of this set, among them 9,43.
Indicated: 1,56
